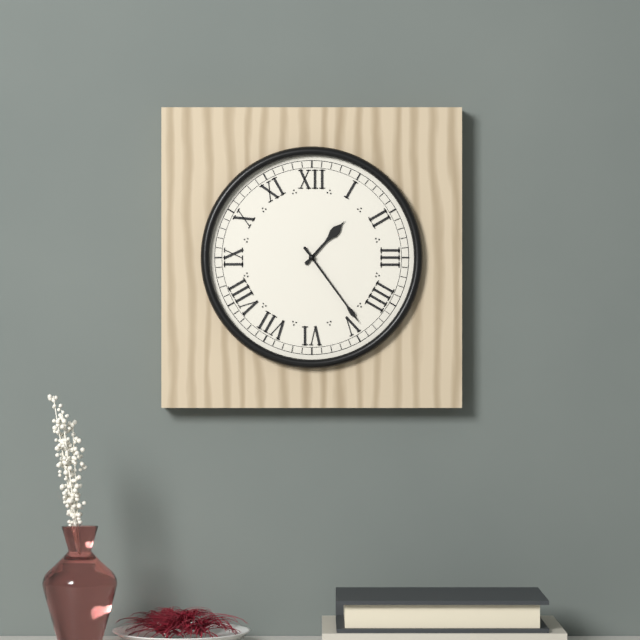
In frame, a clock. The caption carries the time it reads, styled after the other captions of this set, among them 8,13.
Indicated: 1,24
